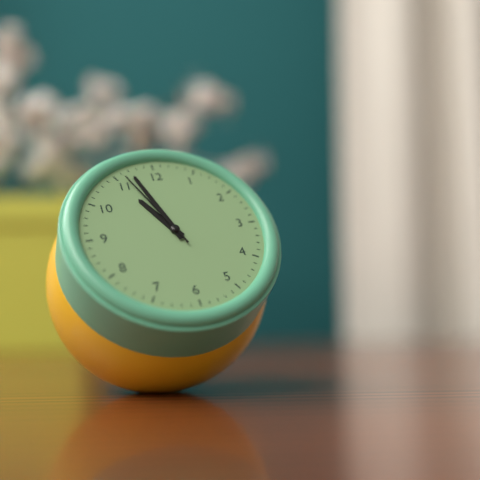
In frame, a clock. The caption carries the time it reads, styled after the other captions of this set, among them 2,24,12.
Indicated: 10,57,56
